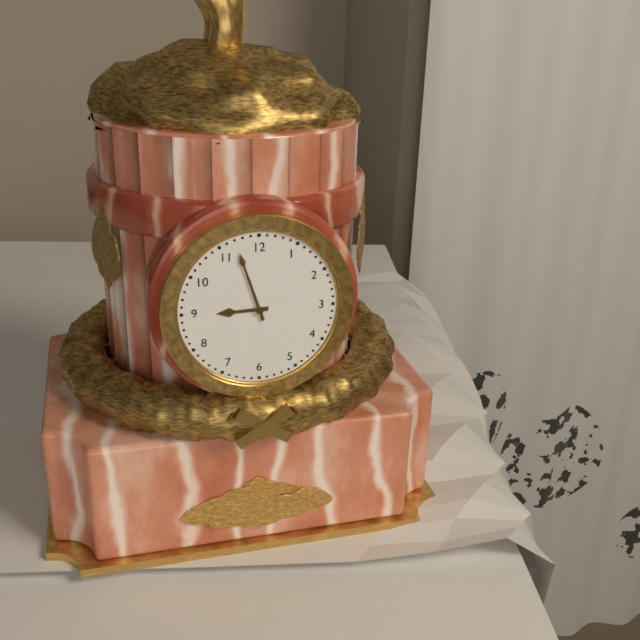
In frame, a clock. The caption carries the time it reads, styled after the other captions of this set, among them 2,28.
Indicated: 8,57
